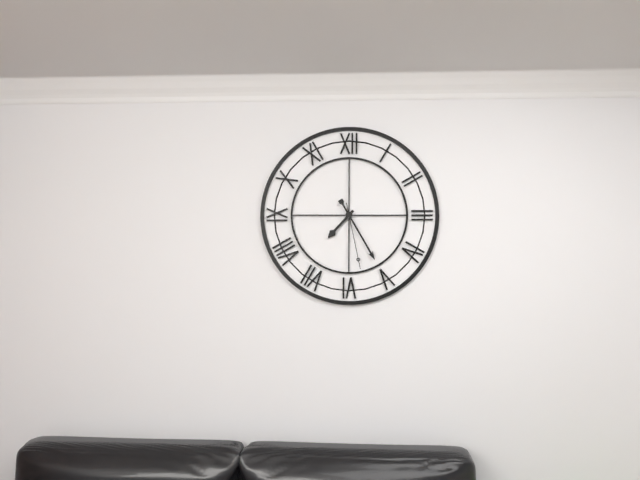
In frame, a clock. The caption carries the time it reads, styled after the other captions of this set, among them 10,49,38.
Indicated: 7,25,28
